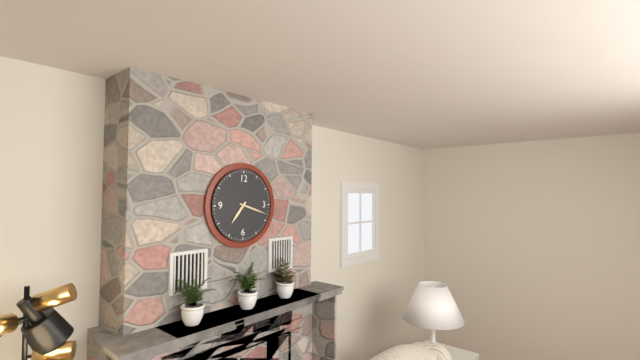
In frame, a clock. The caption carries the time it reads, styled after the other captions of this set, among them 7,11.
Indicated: 7,18
